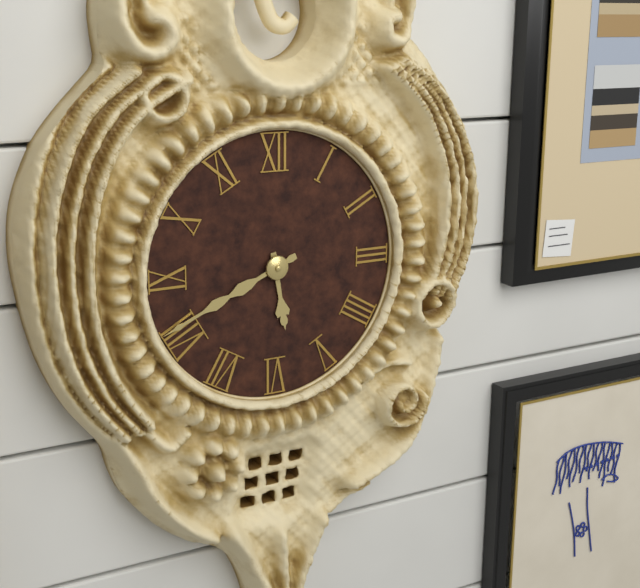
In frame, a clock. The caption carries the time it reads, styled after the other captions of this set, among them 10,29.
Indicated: 5,41
